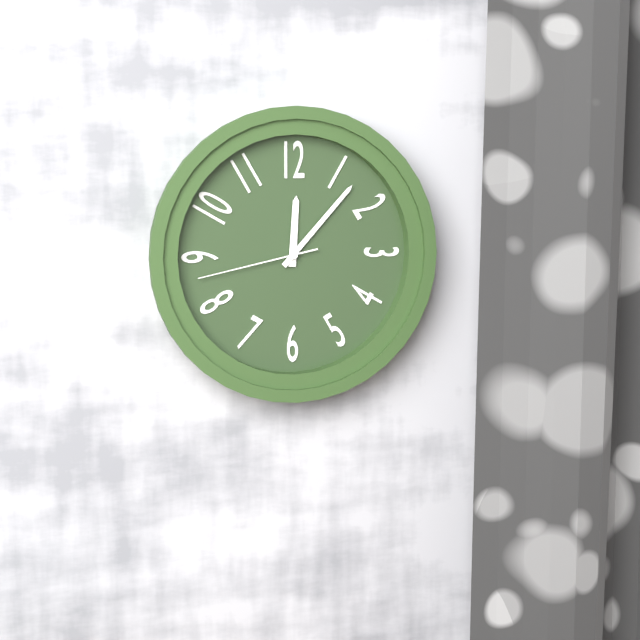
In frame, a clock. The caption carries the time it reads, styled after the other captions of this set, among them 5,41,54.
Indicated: 12,07,43
